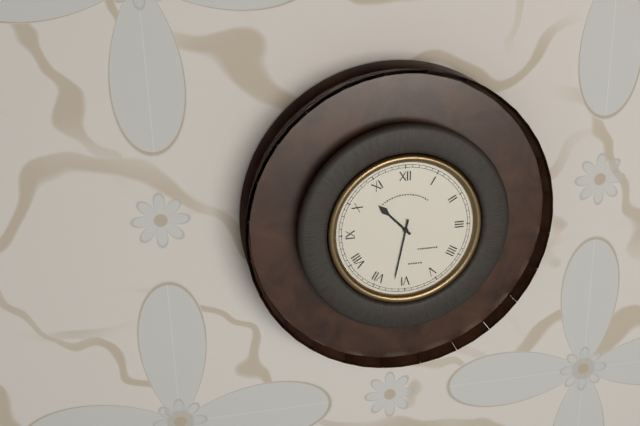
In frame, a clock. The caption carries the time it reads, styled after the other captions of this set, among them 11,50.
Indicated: 10,32
